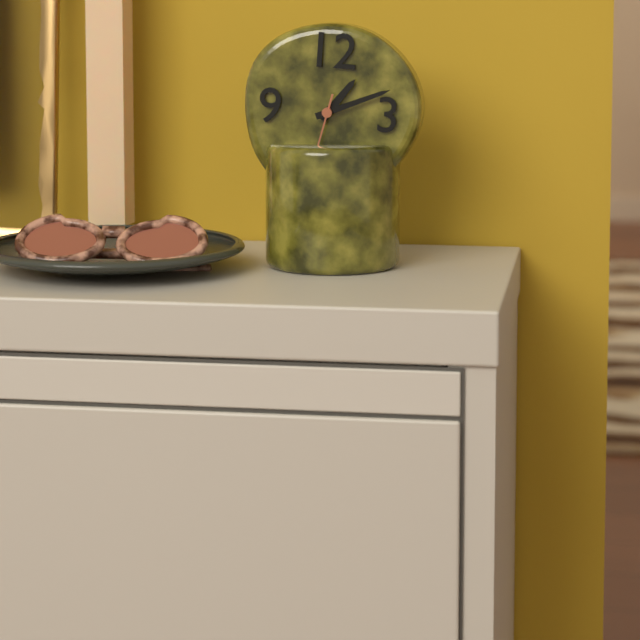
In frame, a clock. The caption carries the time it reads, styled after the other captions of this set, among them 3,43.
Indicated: 1,11
